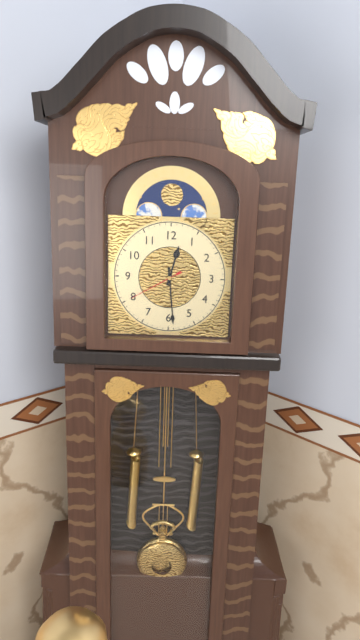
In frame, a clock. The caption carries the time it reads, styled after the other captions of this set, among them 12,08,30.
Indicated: 12,29,40
